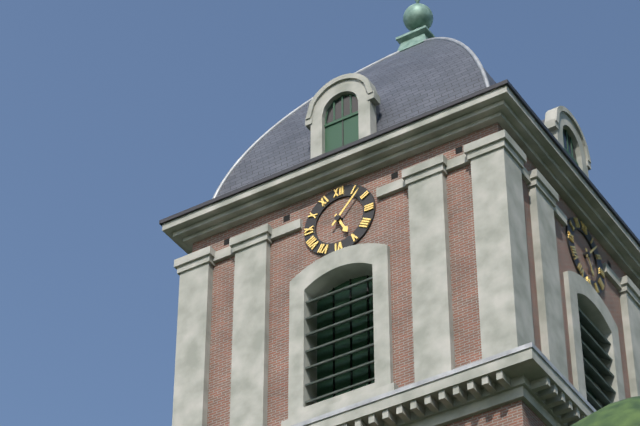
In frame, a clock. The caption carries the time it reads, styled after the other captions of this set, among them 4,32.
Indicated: 5,07
